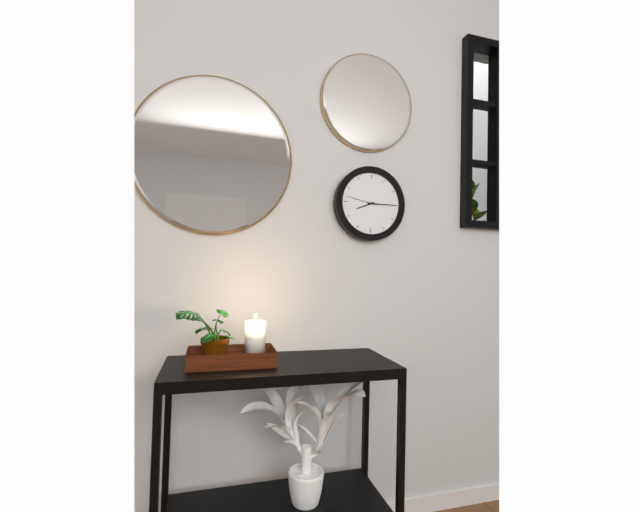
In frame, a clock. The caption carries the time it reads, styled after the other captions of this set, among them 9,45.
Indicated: 8,15
